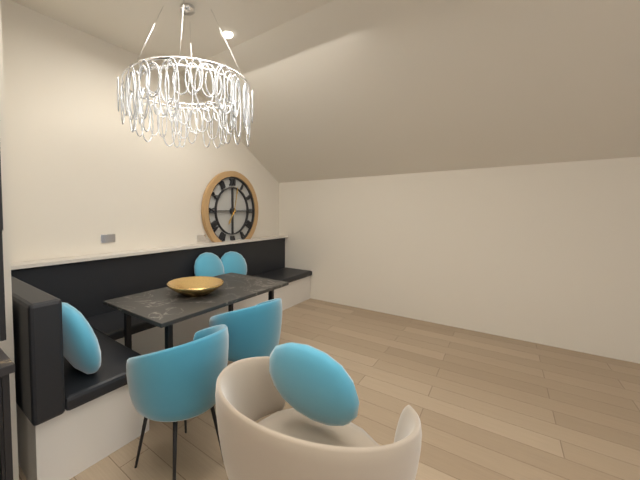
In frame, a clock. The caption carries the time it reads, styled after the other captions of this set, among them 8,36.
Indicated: 7,02
